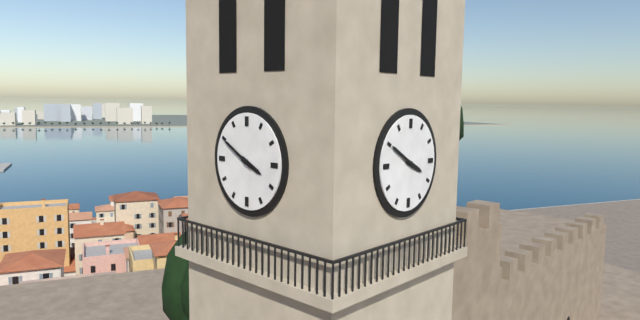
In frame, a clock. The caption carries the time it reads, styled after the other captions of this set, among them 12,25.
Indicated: 3,50
